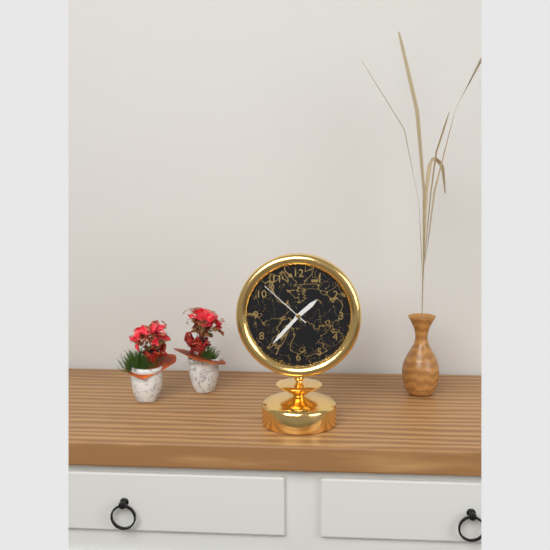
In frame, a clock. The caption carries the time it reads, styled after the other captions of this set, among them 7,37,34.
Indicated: 1,37,52
